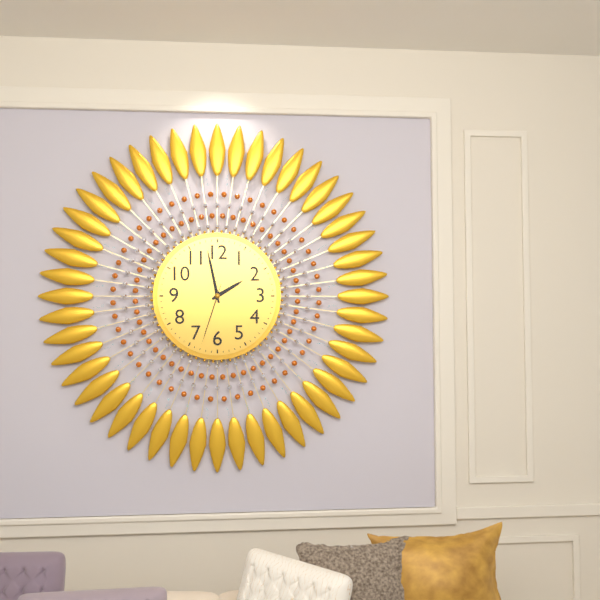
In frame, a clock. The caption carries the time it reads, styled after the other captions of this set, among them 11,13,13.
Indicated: 1,58,33
